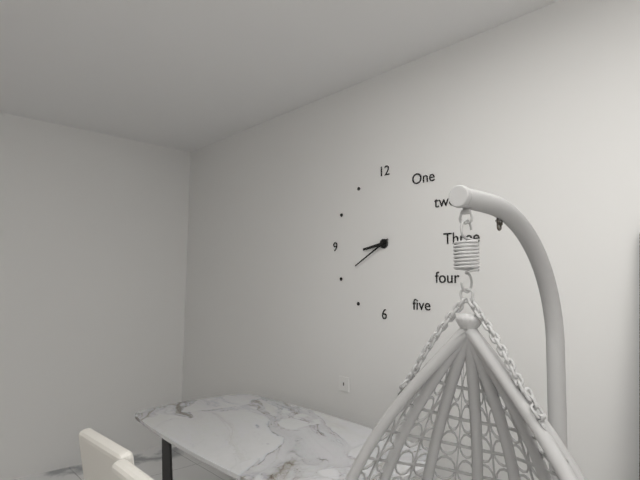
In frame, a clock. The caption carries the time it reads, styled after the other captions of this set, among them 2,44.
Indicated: 8,40
